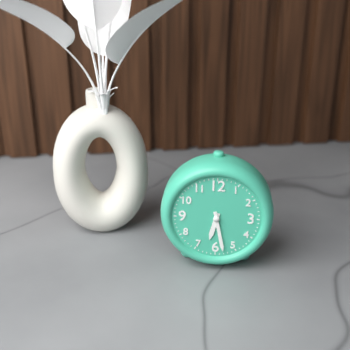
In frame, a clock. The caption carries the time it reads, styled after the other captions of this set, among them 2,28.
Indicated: 6,28
